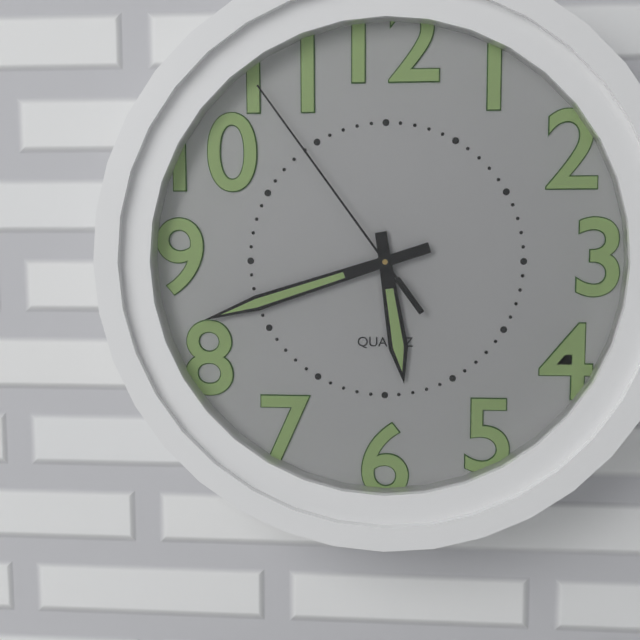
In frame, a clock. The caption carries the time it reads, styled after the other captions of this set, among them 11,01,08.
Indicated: 5,42,54
